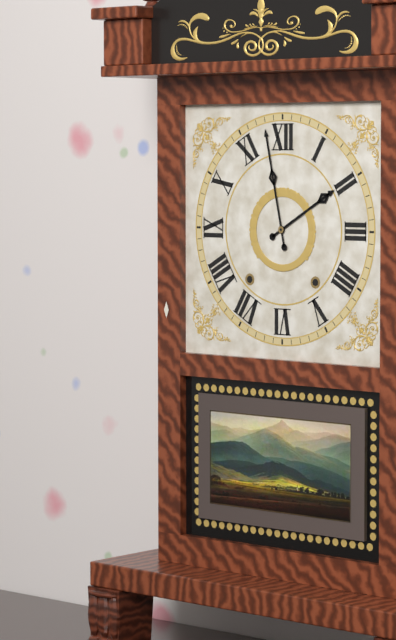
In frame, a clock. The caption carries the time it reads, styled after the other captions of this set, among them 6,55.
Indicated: 1,58
